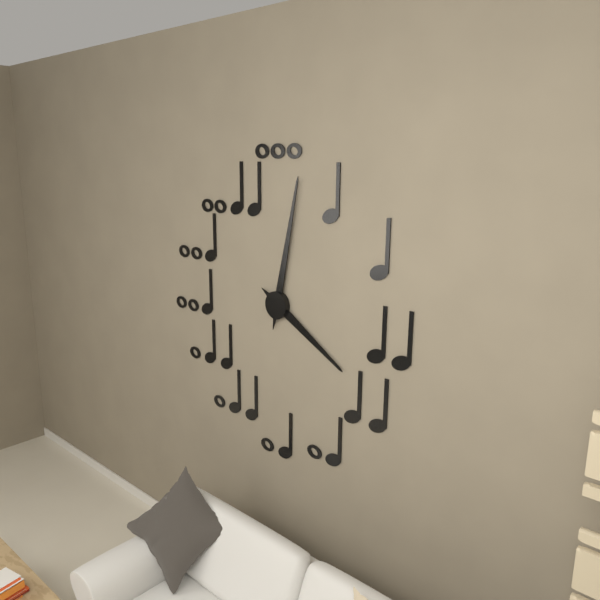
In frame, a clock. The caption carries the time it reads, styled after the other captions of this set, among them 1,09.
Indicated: 4,02
